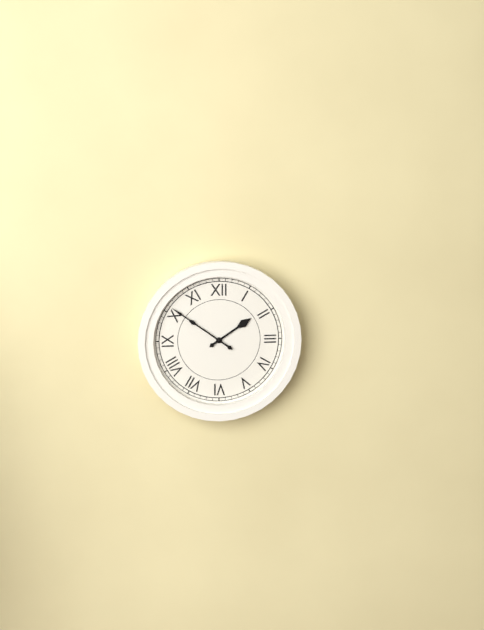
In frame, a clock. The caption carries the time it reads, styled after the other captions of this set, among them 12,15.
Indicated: 1,51
